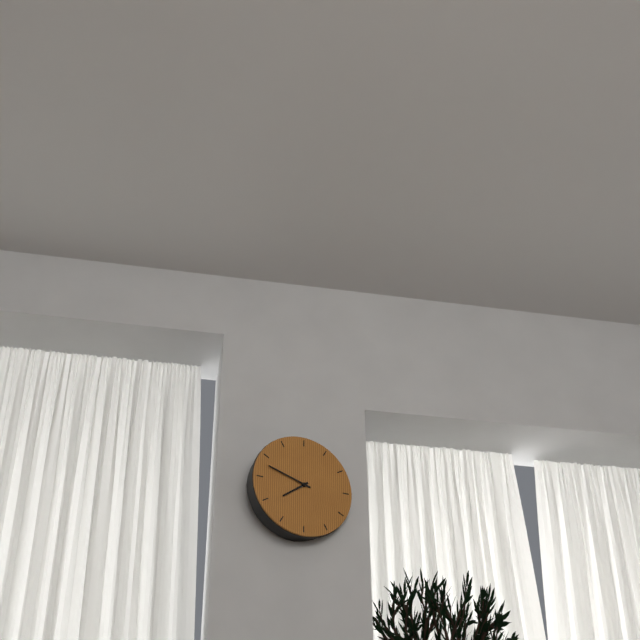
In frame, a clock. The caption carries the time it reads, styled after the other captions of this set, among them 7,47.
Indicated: 7,48
